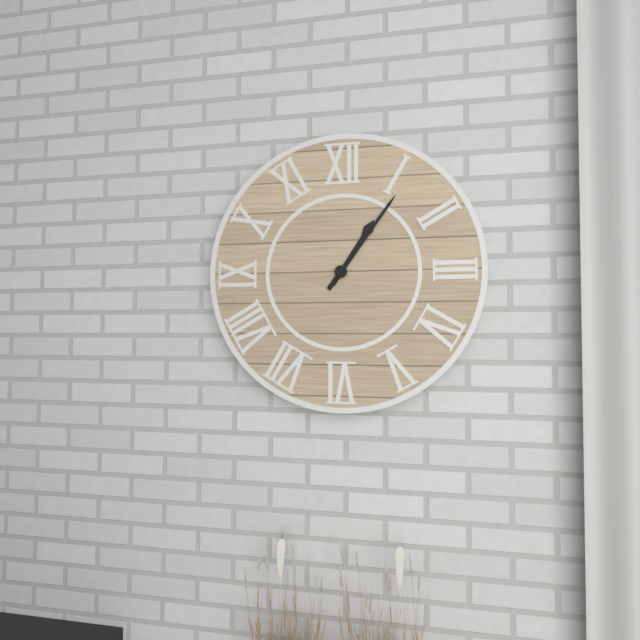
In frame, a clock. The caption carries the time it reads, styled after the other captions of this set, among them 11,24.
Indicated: 1,06
